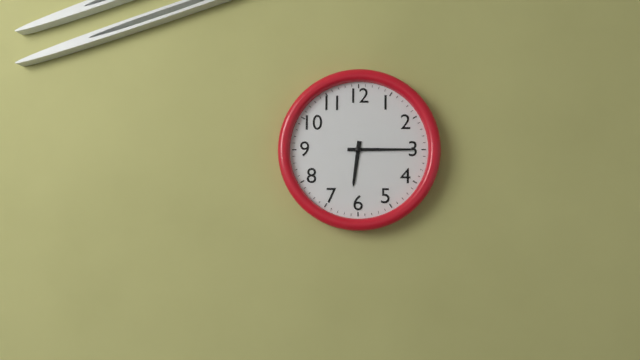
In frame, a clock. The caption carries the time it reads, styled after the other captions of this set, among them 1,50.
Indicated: 6,15
